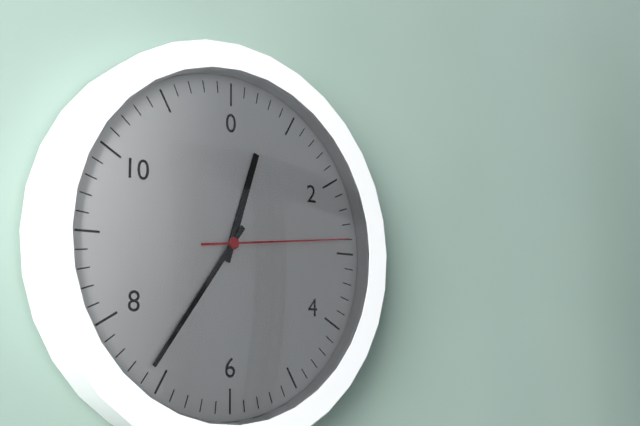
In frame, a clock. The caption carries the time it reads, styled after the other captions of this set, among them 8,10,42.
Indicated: 12,36,14
